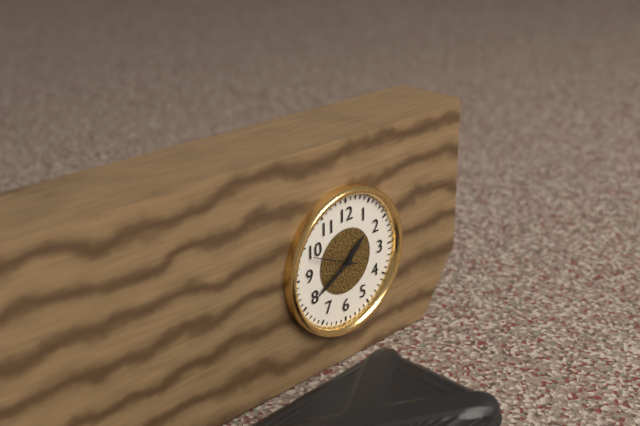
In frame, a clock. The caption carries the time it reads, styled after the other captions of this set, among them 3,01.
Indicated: 1,40
